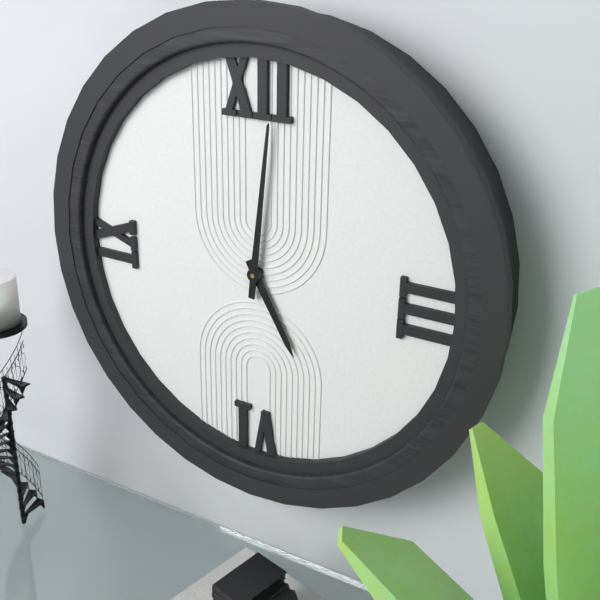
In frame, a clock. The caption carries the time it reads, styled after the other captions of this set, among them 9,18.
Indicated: 5,01
